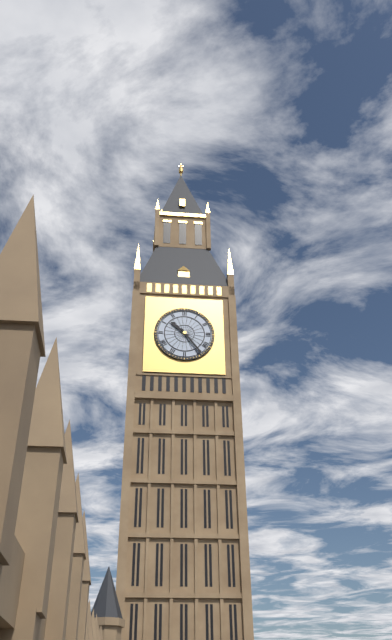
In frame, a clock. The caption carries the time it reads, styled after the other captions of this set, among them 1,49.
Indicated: 10,24
